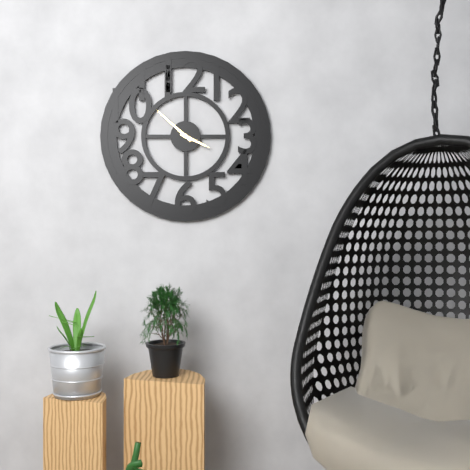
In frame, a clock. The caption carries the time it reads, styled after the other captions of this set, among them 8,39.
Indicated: 3,52
